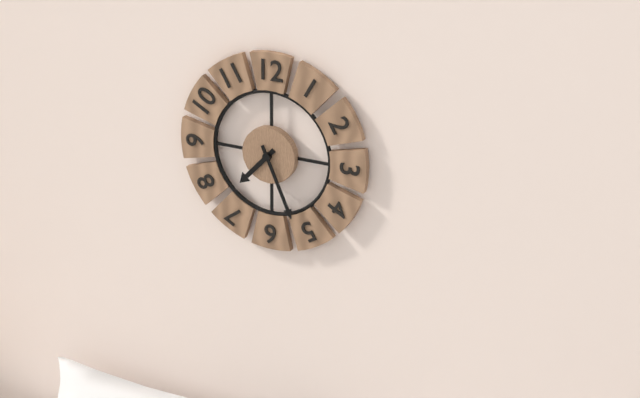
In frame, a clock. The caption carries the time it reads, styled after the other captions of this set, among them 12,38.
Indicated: 7,26
